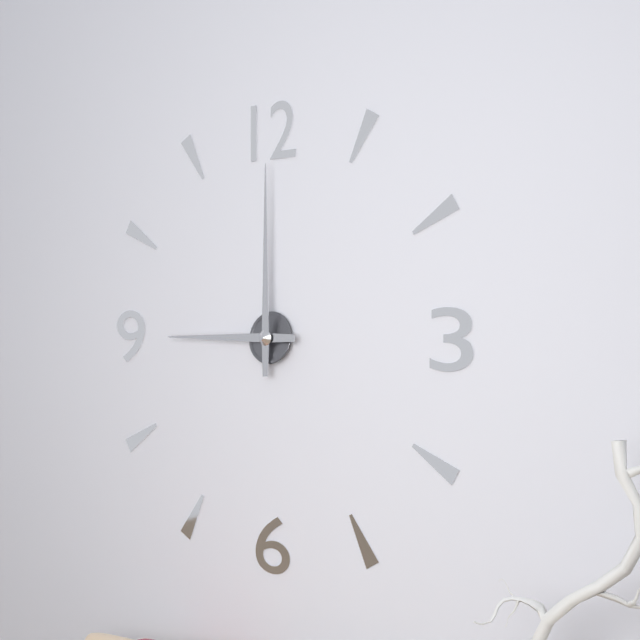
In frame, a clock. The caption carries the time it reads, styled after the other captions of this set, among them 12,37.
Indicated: 9,00
